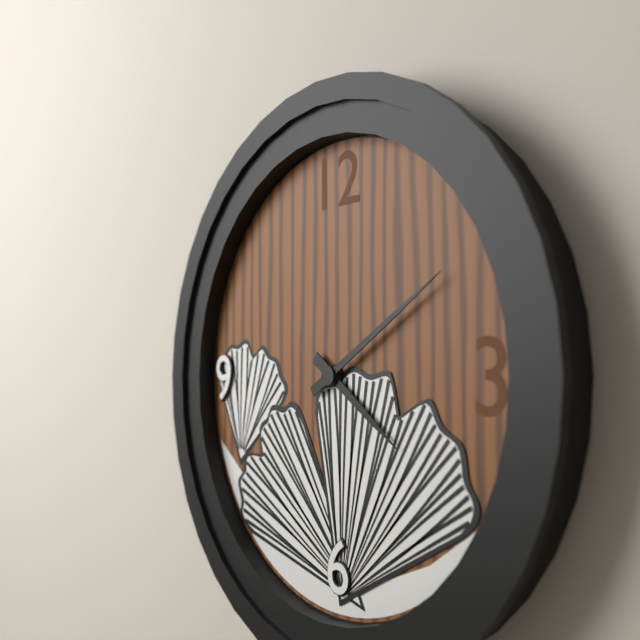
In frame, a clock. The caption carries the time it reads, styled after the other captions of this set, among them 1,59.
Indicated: 4,10
